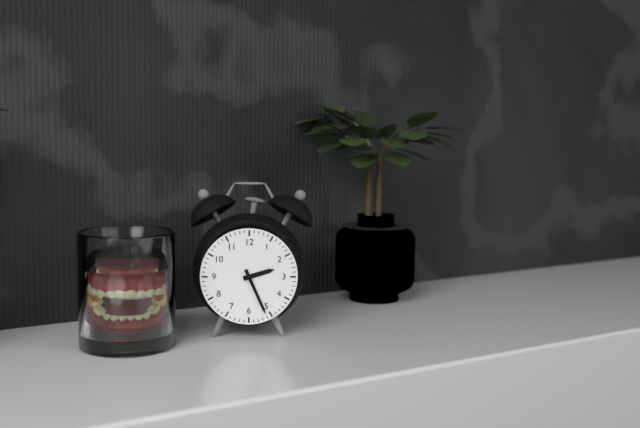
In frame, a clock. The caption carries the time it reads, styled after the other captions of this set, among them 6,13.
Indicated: 2,26
